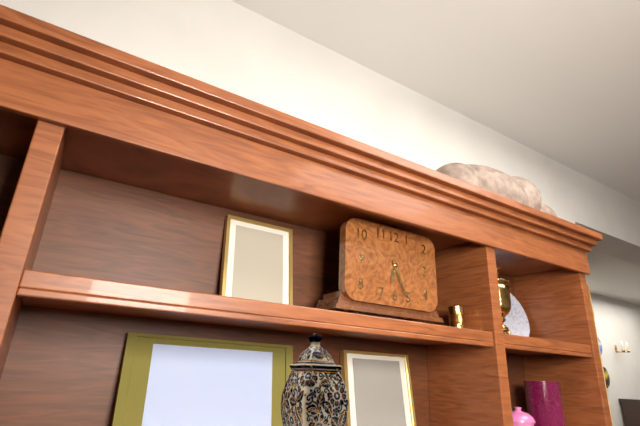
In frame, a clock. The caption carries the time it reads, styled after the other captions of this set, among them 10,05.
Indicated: 6,26
